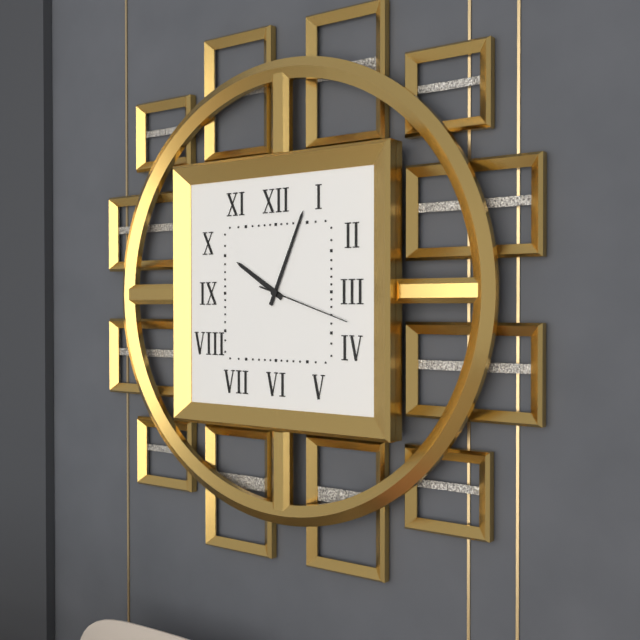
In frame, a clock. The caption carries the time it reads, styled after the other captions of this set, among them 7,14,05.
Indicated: 10,04,18
